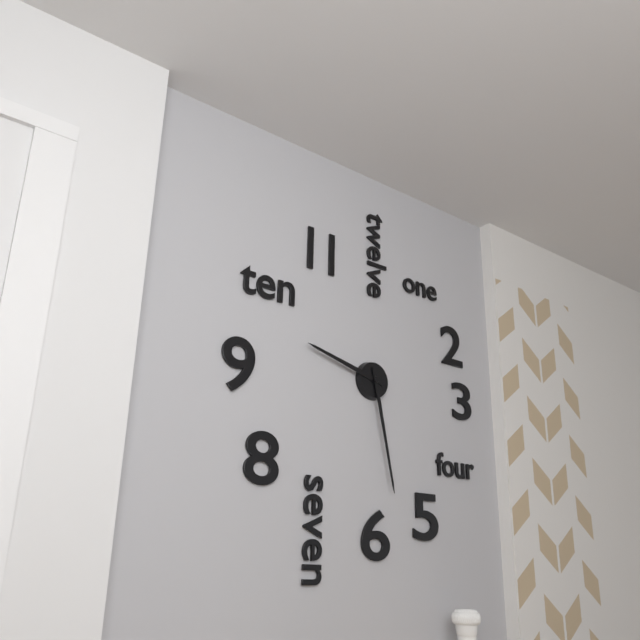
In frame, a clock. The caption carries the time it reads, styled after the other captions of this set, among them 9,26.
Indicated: 9,28
